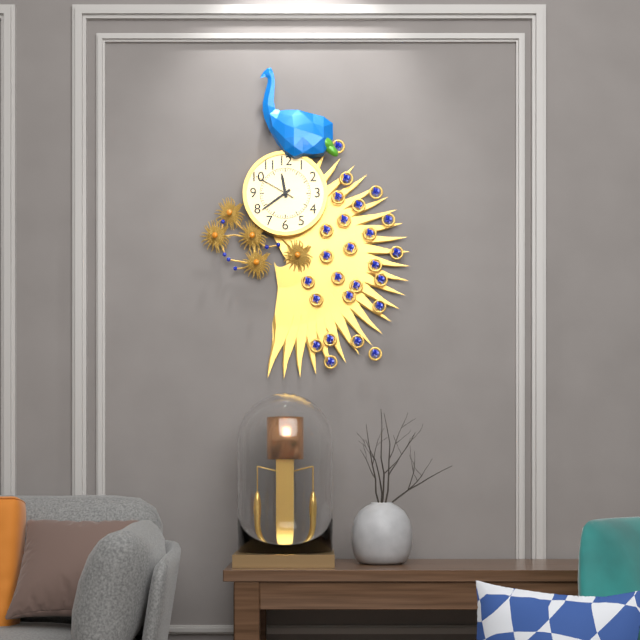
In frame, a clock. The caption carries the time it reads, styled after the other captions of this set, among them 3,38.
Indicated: 11,39
